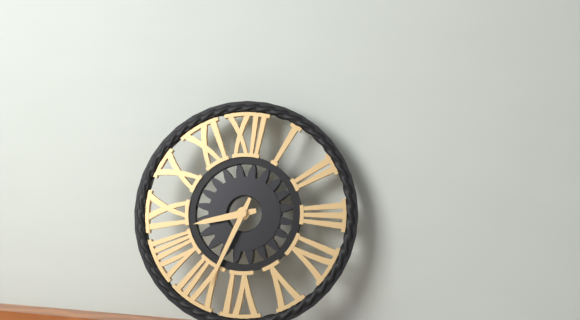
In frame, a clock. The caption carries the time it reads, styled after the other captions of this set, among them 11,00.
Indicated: 8,34
